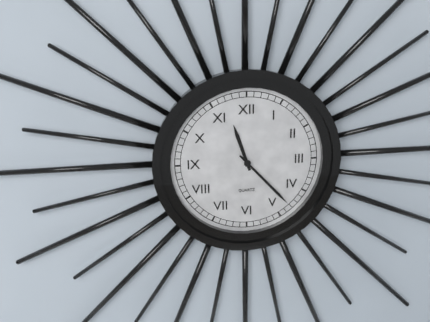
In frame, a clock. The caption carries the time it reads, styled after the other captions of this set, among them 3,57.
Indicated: 11,23
